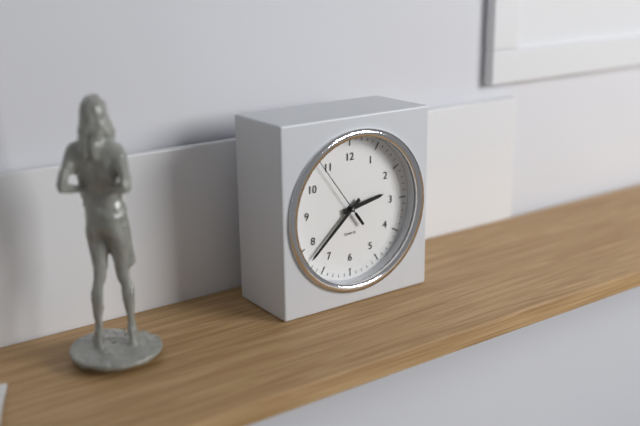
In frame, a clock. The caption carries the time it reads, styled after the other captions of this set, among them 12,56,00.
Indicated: 2,38,54
